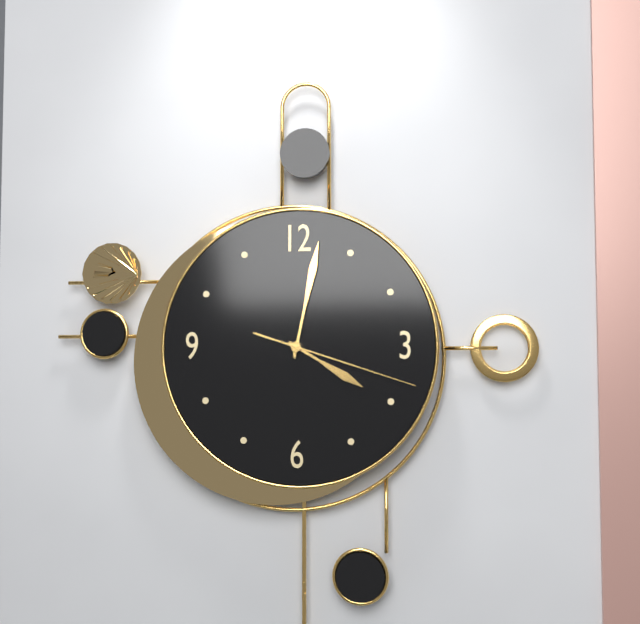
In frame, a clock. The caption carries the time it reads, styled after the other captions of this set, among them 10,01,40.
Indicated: 4,02,18
